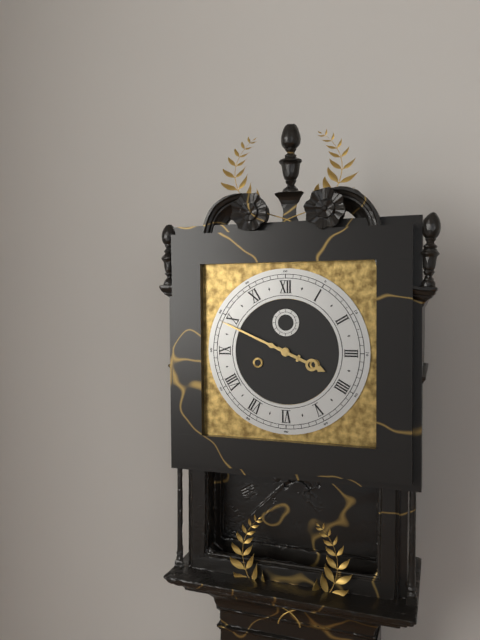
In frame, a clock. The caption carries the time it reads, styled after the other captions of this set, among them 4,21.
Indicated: 3,49
